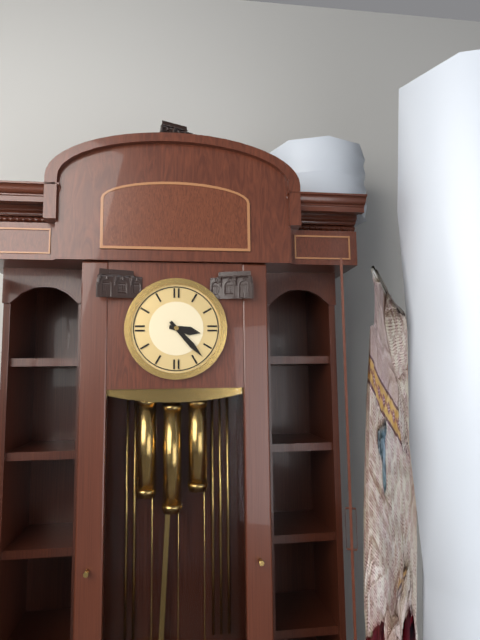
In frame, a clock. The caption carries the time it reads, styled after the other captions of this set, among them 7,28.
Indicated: 3,23
